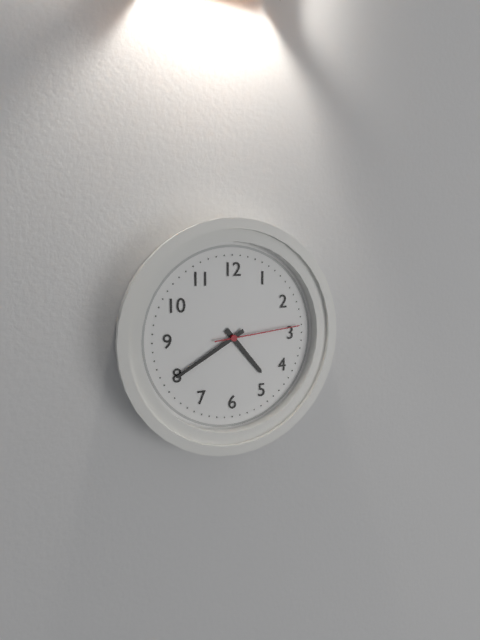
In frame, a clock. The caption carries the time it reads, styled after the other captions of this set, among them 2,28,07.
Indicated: 4,40,14
